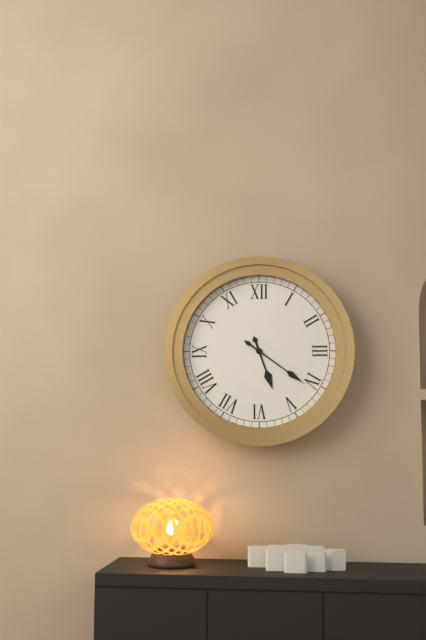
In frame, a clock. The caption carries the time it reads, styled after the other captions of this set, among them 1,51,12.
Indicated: 5,21,21
